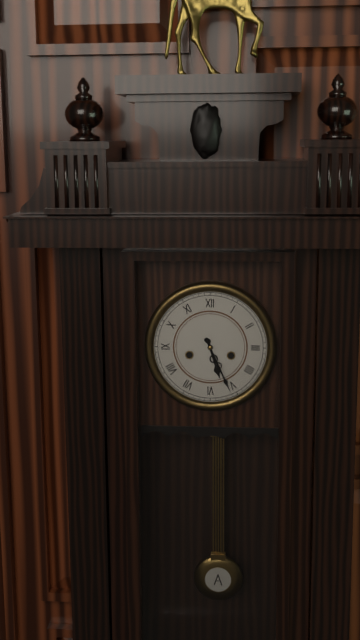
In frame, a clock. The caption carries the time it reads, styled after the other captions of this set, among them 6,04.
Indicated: 5,26
